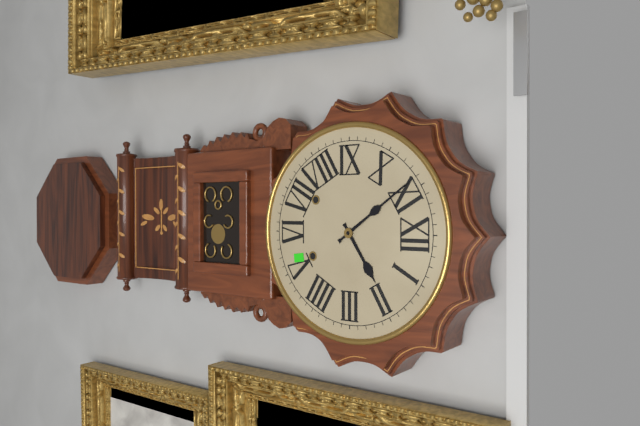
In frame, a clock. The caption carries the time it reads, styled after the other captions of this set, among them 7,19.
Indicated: 1,54
